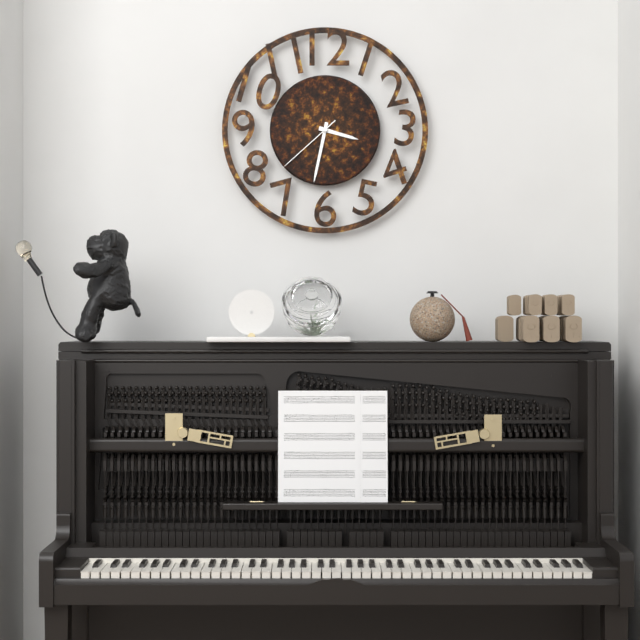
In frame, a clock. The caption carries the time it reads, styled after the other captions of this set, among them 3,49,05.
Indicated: 3,32,38
